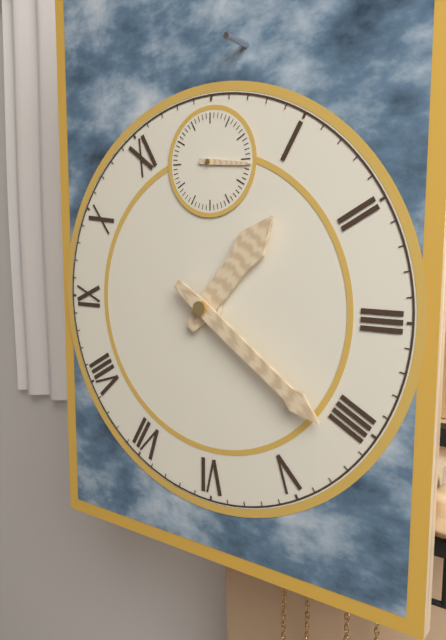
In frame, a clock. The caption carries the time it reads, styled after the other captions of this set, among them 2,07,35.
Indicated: 1,21,16
